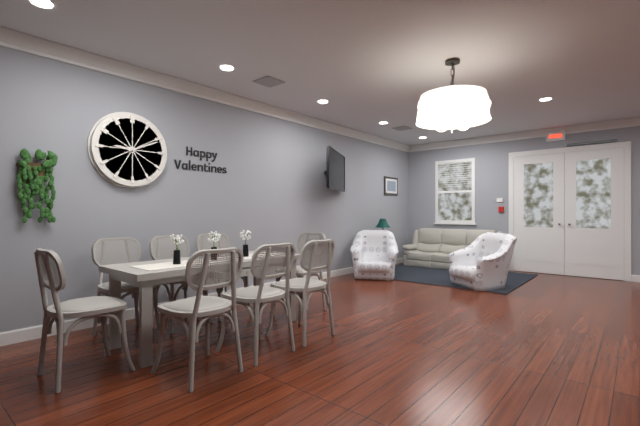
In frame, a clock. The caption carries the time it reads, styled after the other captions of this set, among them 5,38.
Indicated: 9,11
